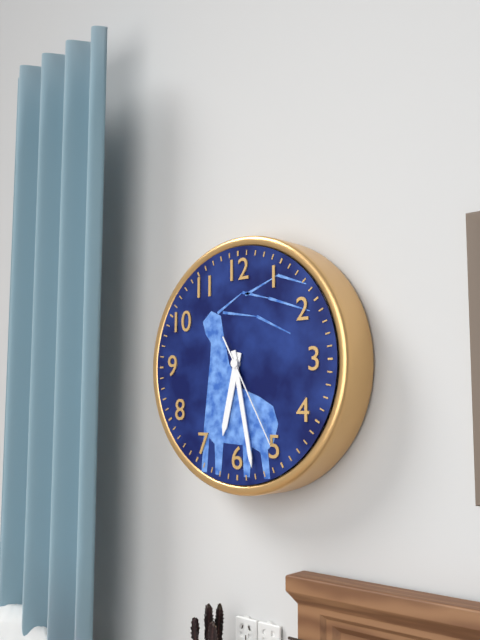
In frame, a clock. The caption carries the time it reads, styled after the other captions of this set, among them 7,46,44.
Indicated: 6,28,25
